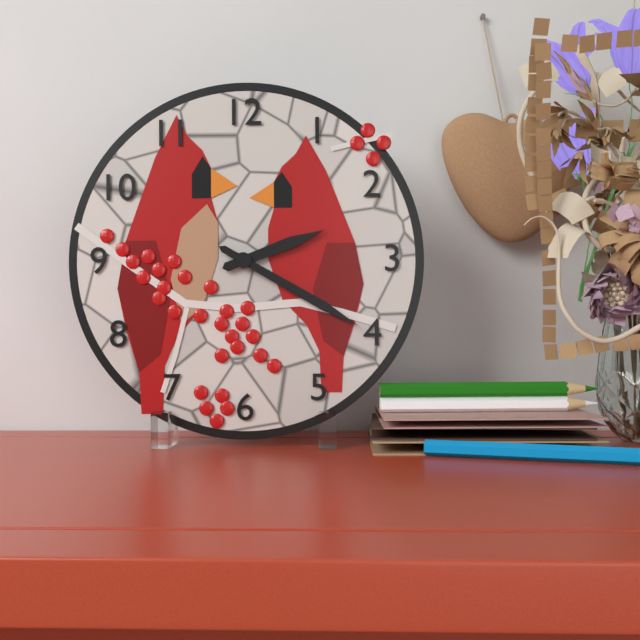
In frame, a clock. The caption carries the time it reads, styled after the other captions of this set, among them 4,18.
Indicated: 2,20
